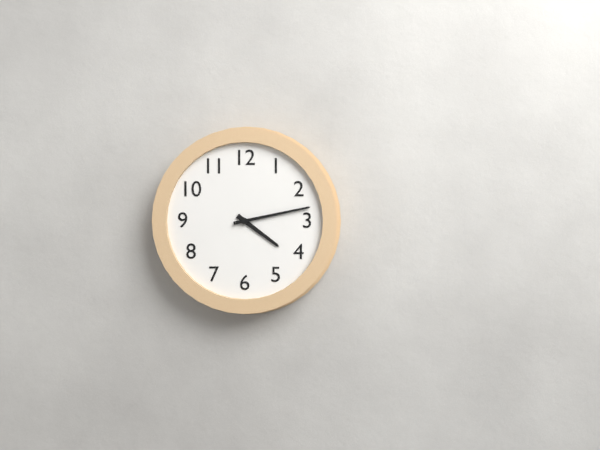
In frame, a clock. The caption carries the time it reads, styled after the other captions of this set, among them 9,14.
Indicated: 4,13
